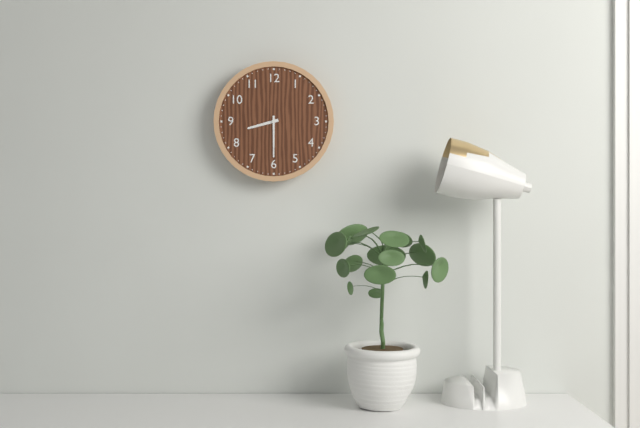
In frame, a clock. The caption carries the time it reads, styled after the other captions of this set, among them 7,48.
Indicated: 8,30
